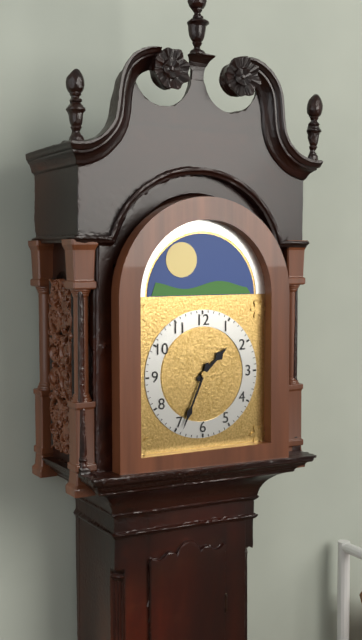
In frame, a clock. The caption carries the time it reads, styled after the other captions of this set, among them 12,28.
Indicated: 1,34
